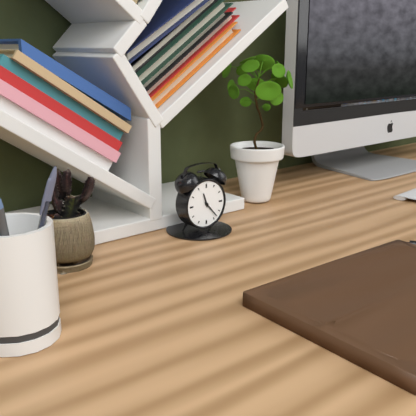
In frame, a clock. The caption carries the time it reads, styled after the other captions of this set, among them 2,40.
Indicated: 11,23
